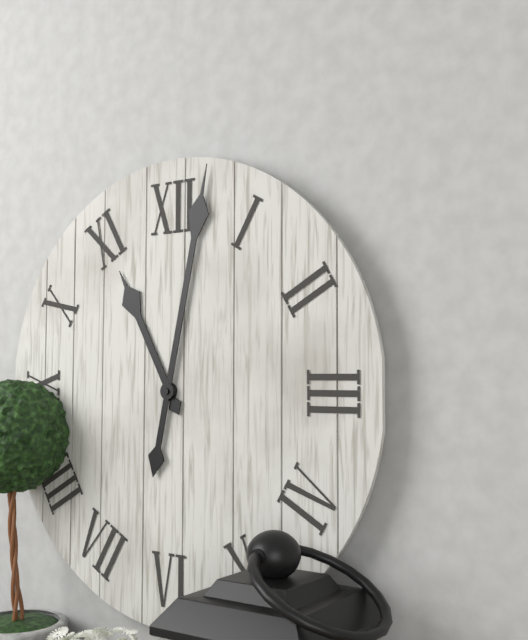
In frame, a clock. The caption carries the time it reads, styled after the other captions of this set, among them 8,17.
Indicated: 11,02
